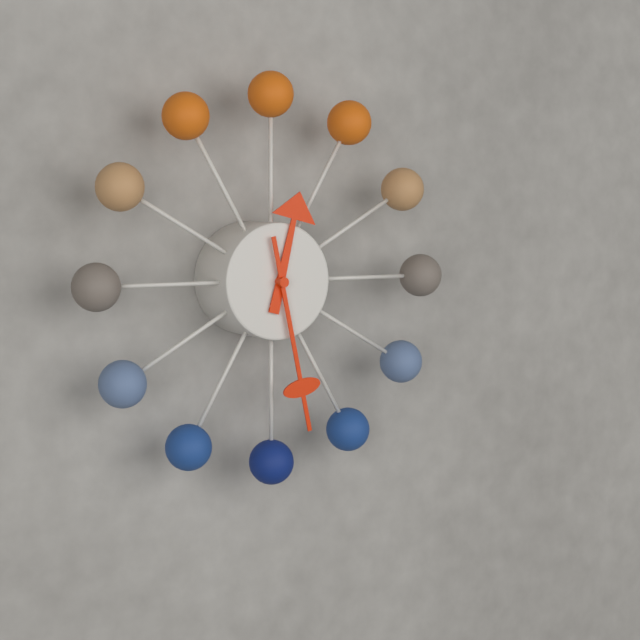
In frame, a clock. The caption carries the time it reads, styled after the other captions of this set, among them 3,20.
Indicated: 12,28
